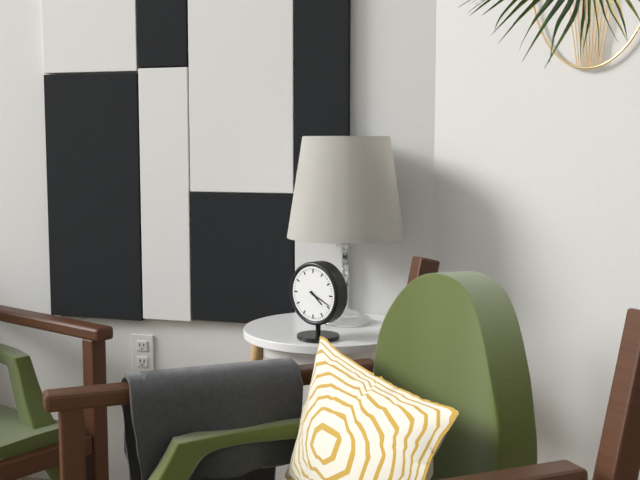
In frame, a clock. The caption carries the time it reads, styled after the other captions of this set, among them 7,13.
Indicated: 4,19
